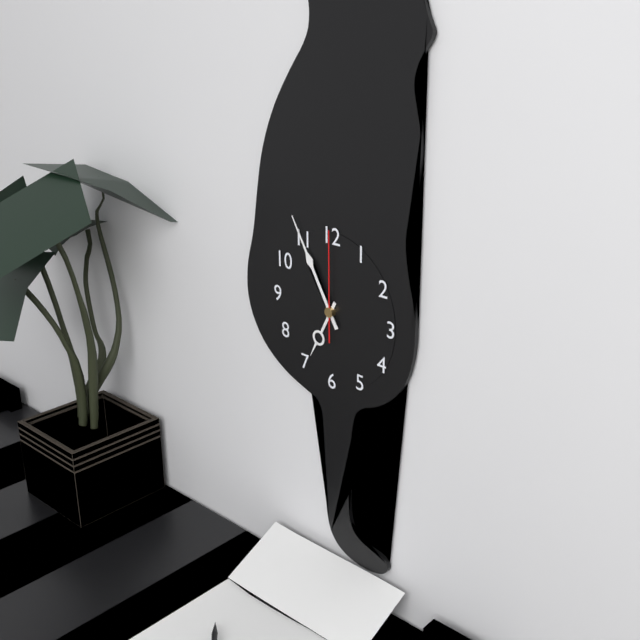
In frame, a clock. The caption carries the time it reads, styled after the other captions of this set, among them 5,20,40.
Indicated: 6,55,00
